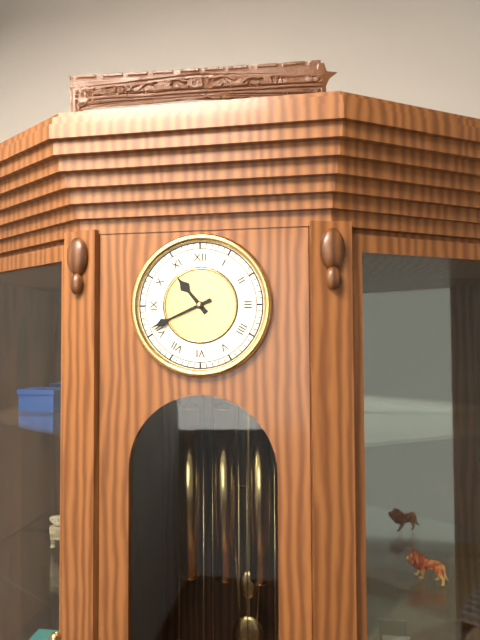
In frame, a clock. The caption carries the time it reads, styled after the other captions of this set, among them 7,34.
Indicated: 10,41
